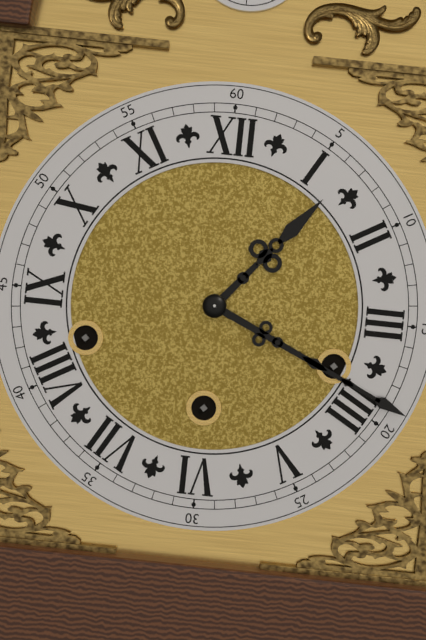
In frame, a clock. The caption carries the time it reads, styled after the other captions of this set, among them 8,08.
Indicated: 1,19
